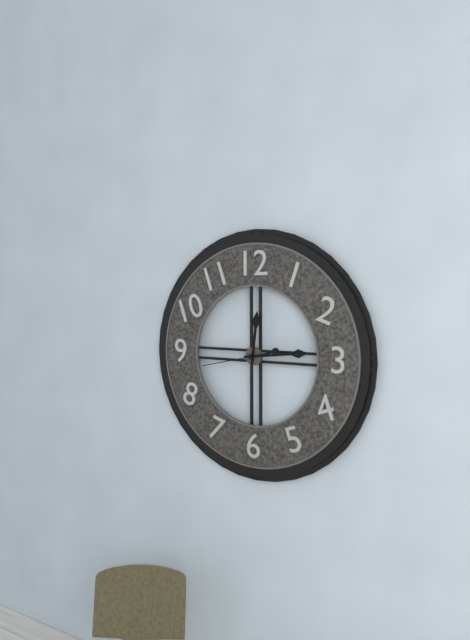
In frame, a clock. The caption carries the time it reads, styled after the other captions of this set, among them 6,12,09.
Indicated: 12,14,43
